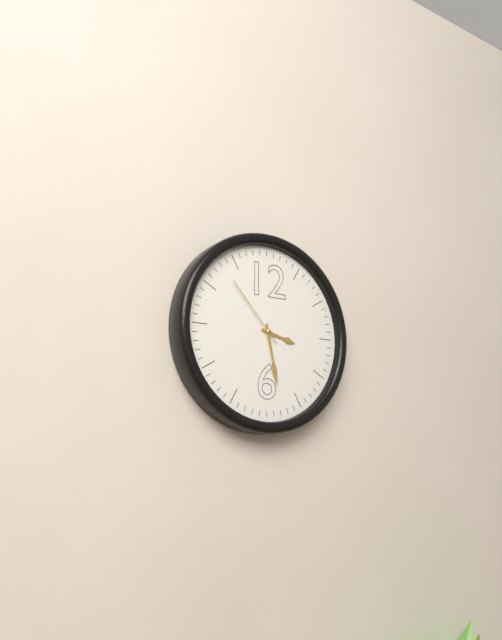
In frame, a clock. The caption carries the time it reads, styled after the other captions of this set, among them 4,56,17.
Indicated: 3,28,53
